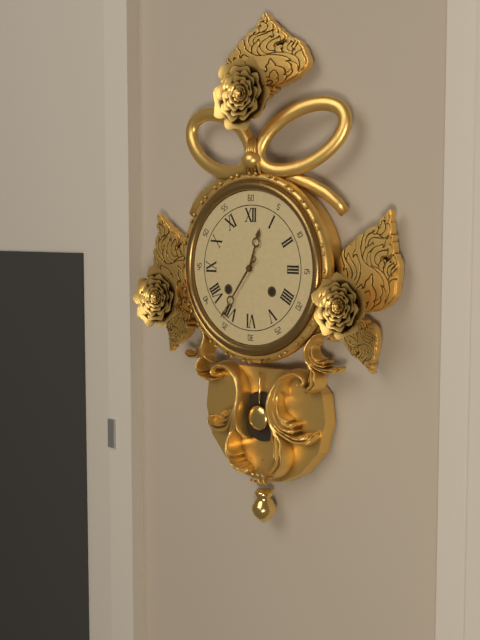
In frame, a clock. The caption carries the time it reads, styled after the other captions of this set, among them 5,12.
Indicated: 12,36
